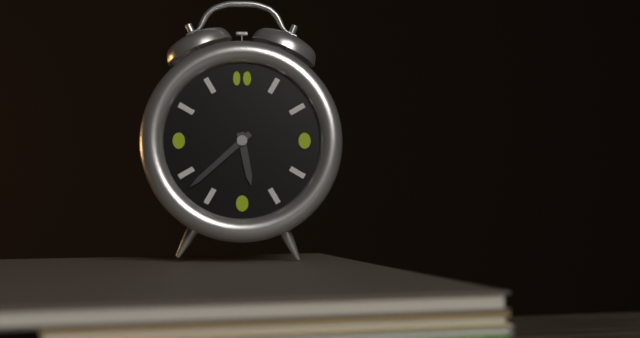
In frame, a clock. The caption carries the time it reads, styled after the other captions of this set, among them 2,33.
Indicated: 5,38
